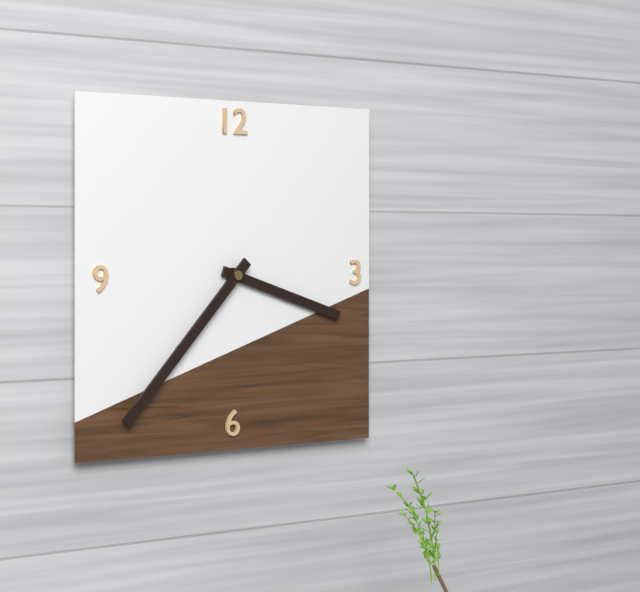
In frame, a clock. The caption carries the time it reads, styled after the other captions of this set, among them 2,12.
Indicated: 3,37
